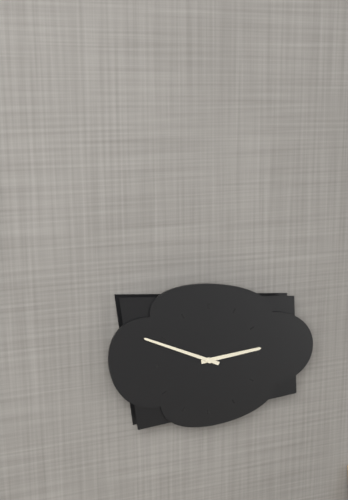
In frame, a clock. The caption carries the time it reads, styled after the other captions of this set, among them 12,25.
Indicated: 2,49
